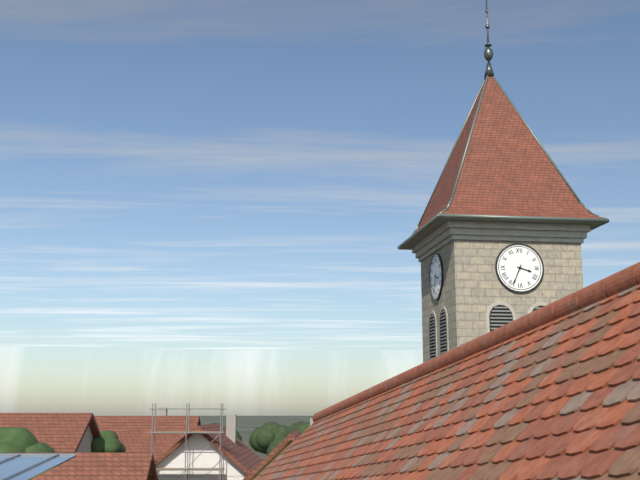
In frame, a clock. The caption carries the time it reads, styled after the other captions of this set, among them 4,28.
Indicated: 3,34
